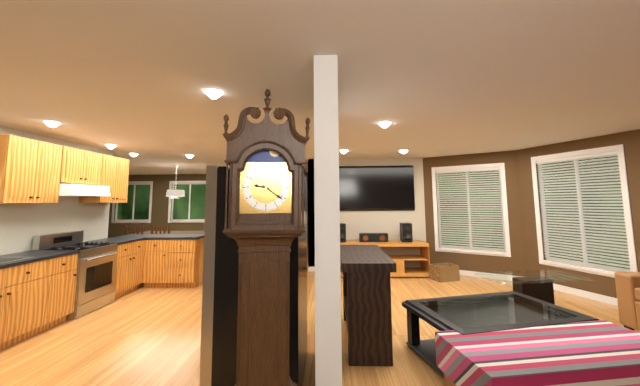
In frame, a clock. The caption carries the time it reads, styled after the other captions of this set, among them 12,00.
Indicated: 9,21
